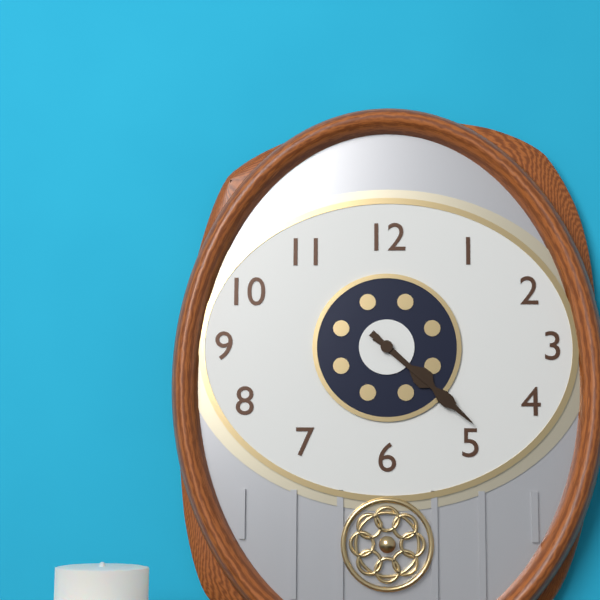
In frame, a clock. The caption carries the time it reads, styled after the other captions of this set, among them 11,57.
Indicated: 4,22
